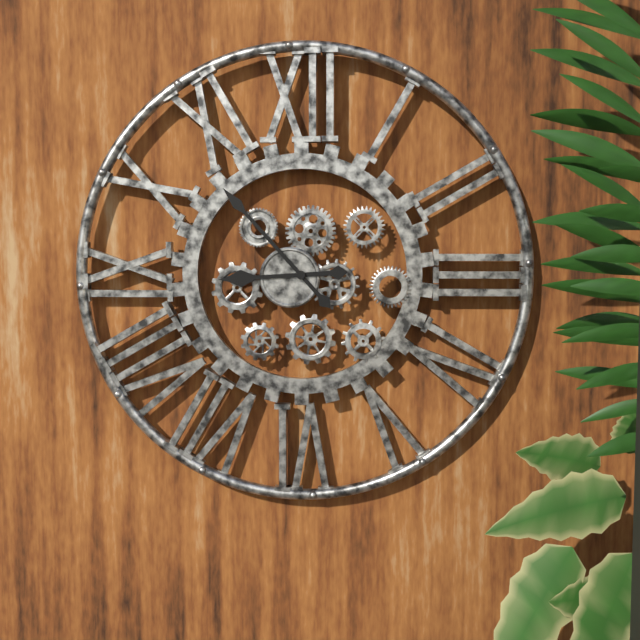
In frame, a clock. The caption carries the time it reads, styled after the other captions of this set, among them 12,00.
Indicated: 8,53
